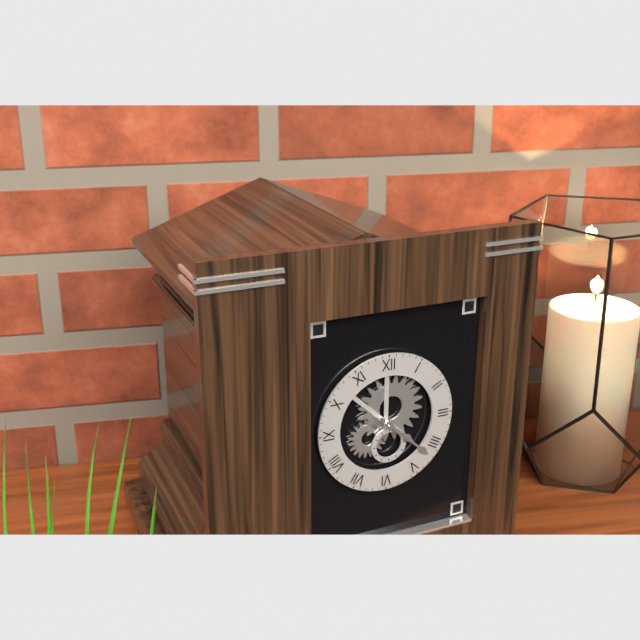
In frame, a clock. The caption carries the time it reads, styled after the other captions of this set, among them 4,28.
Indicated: 4,22
